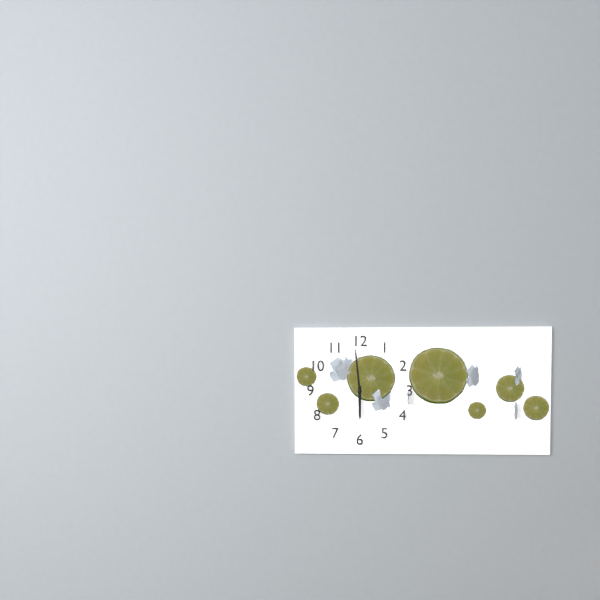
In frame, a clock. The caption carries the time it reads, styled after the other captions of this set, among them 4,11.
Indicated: 5,59
